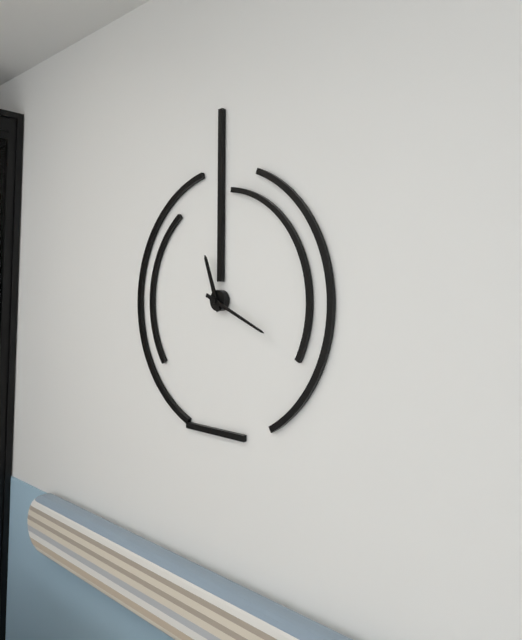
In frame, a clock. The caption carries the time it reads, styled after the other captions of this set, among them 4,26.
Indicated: 11,19
